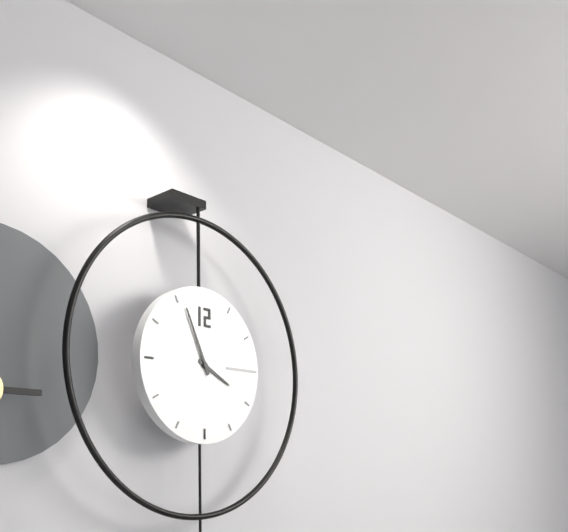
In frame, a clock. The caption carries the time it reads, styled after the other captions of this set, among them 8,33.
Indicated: 3,56
